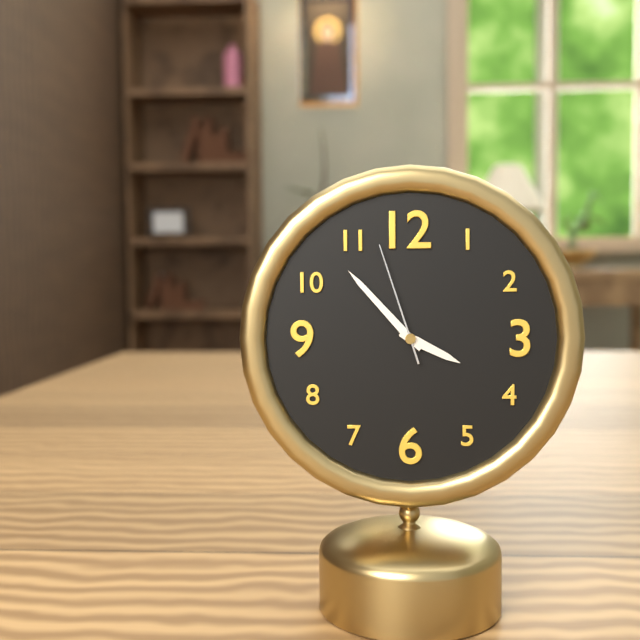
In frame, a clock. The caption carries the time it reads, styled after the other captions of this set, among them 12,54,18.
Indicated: 3,53,57
